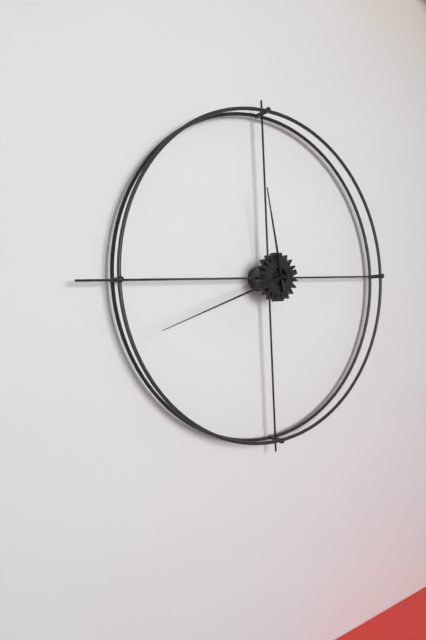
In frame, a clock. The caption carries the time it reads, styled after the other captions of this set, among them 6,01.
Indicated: 11,42
